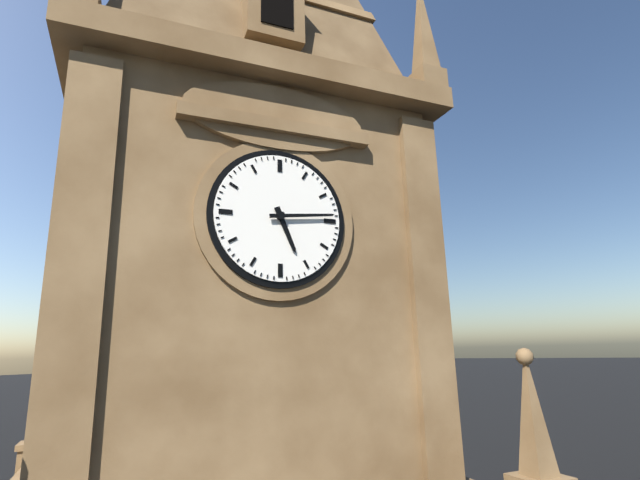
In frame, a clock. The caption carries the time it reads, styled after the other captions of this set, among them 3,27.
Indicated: 5,14
